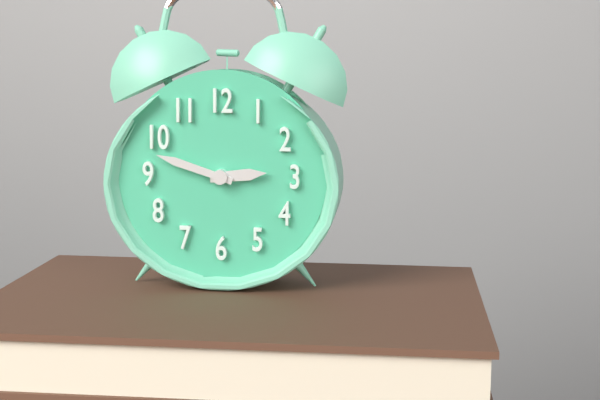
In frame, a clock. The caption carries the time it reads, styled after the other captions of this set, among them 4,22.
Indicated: 2,48
